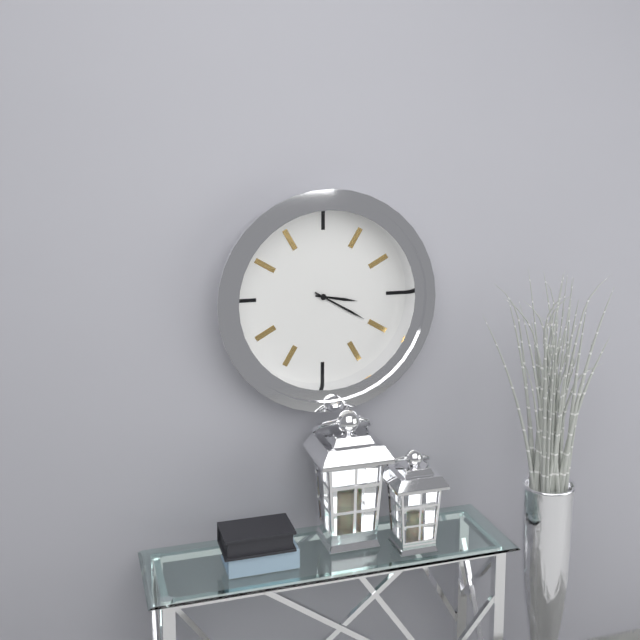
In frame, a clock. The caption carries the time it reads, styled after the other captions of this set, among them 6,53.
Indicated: 3,20
